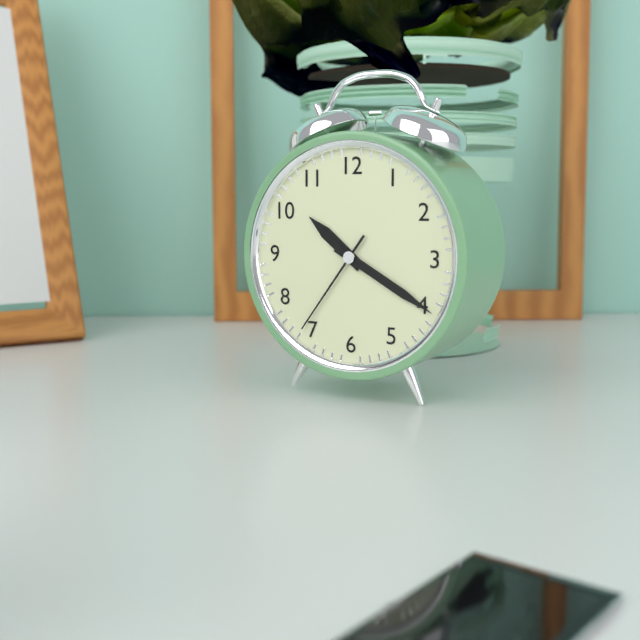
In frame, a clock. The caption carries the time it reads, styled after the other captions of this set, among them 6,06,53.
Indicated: 10,20,36
